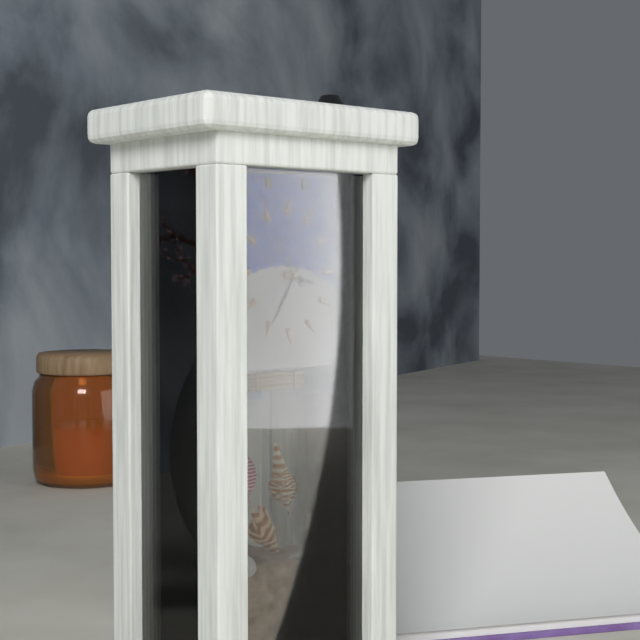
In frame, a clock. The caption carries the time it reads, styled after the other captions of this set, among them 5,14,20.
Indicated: 3,35,54
